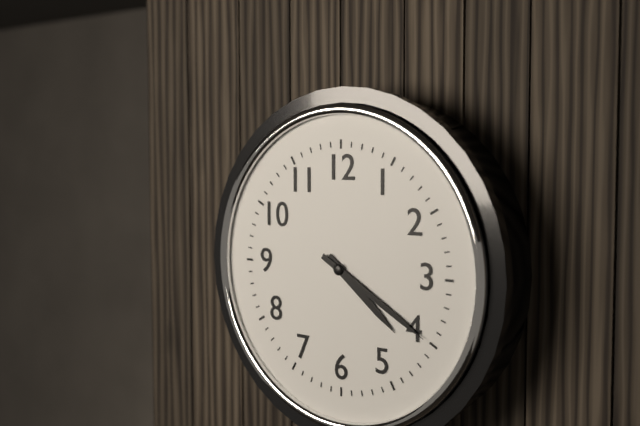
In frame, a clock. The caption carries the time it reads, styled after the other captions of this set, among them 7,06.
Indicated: 4,20
